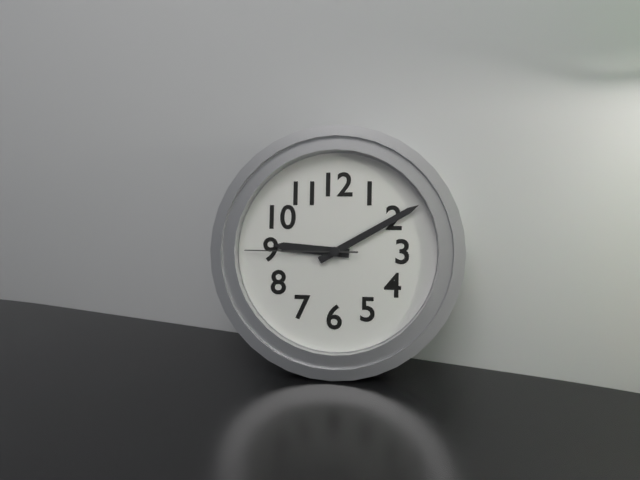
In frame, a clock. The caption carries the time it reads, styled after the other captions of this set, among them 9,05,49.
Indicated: 9,10,45
